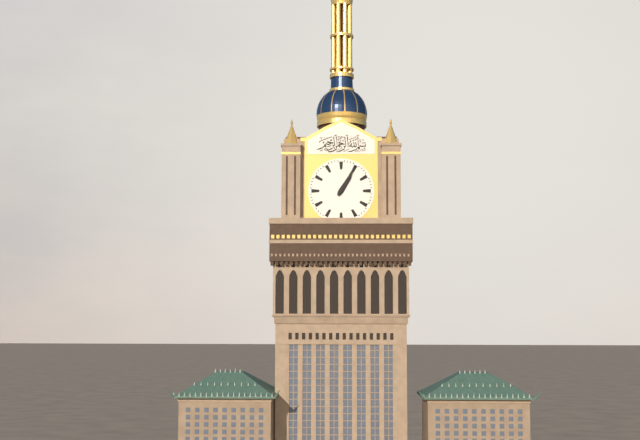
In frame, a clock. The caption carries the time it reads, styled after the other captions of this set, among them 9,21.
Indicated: 1,05
